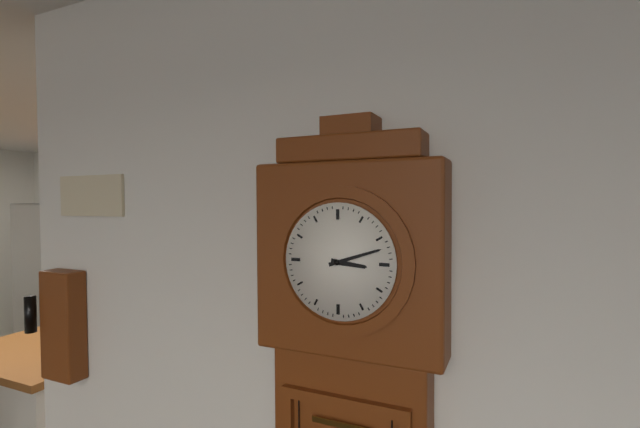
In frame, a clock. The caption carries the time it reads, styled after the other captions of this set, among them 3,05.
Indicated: 3,12
